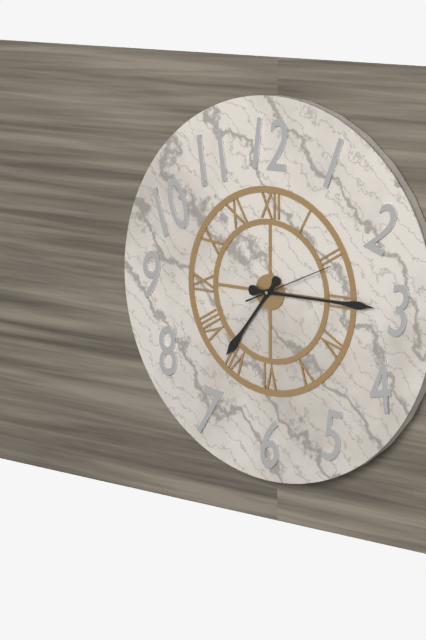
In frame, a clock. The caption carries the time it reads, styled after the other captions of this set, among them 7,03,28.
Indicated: 7,15,11
